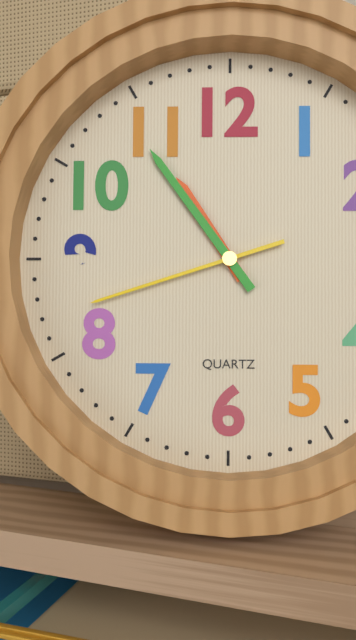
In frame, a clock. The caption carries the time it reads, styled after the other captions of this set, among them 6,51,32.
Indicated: 10,54,42
